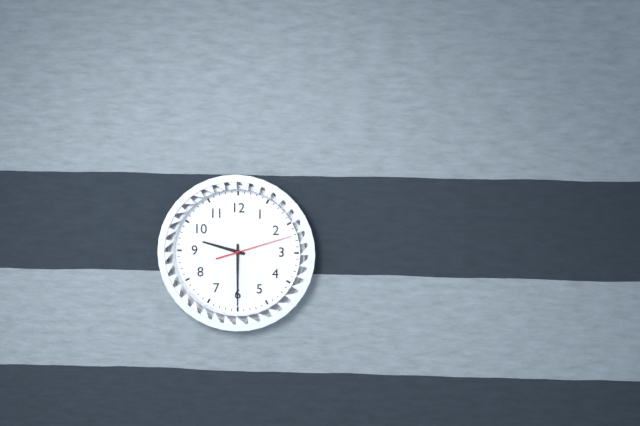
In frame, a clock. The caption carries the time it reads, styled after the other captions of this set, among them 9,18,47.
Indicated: 9,30,12
